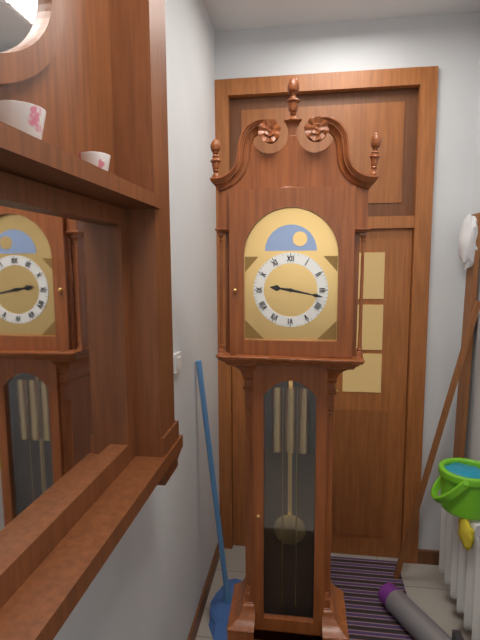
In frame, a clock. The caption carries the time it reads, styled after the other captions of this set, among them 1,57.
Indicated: 9,17
